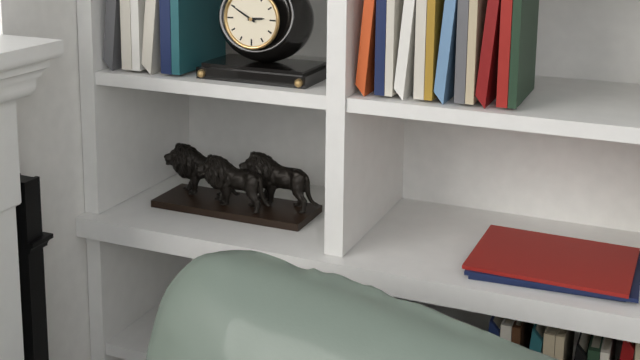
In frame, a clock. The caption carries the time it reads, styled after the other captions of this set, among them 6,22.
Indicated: 2,50
